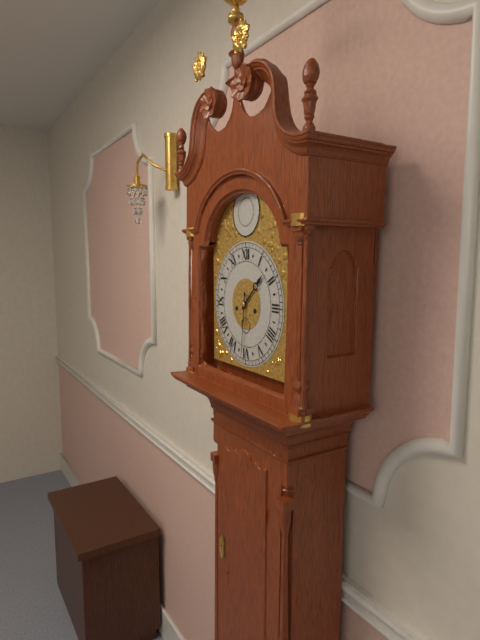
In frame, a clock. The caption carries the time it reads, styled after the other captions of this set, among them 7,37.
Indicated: 1,31
